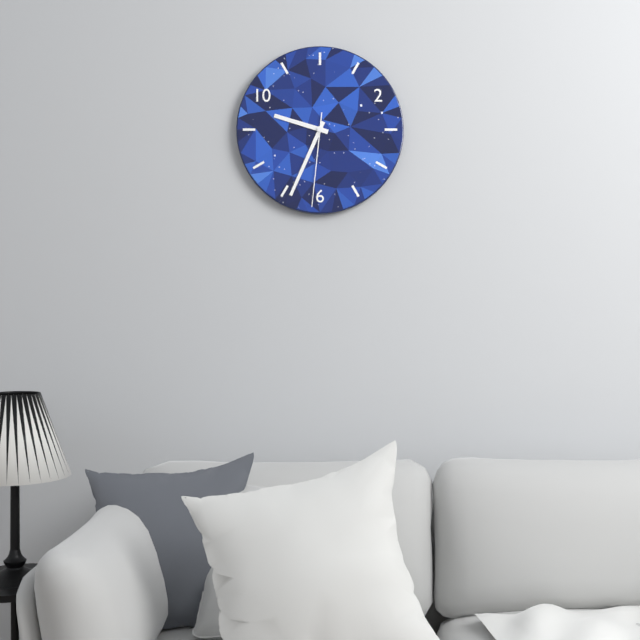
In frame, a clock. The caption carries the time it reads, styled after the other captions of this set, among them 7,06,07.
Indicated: 9,34,31
